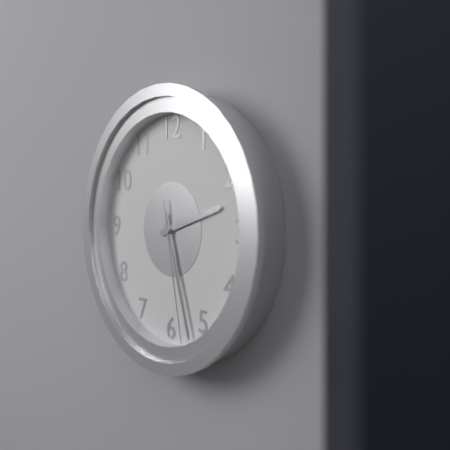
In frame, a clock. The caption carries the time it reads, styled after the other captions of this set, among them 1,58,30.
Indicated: 2,27,28
